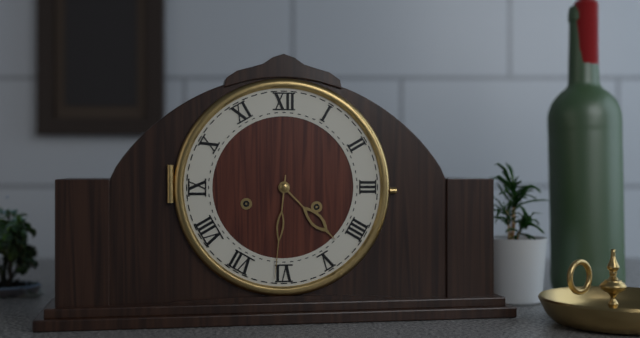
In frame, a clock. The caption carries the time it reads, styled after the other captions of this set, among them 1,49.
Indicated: 4,31
